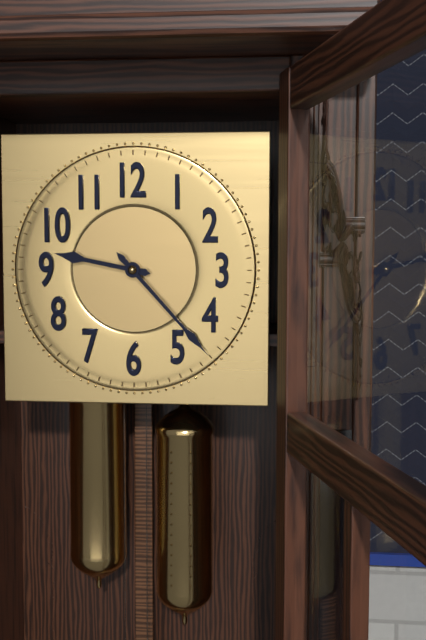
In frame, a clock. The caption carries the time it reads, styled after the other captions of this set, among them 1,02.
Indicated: 9,23
